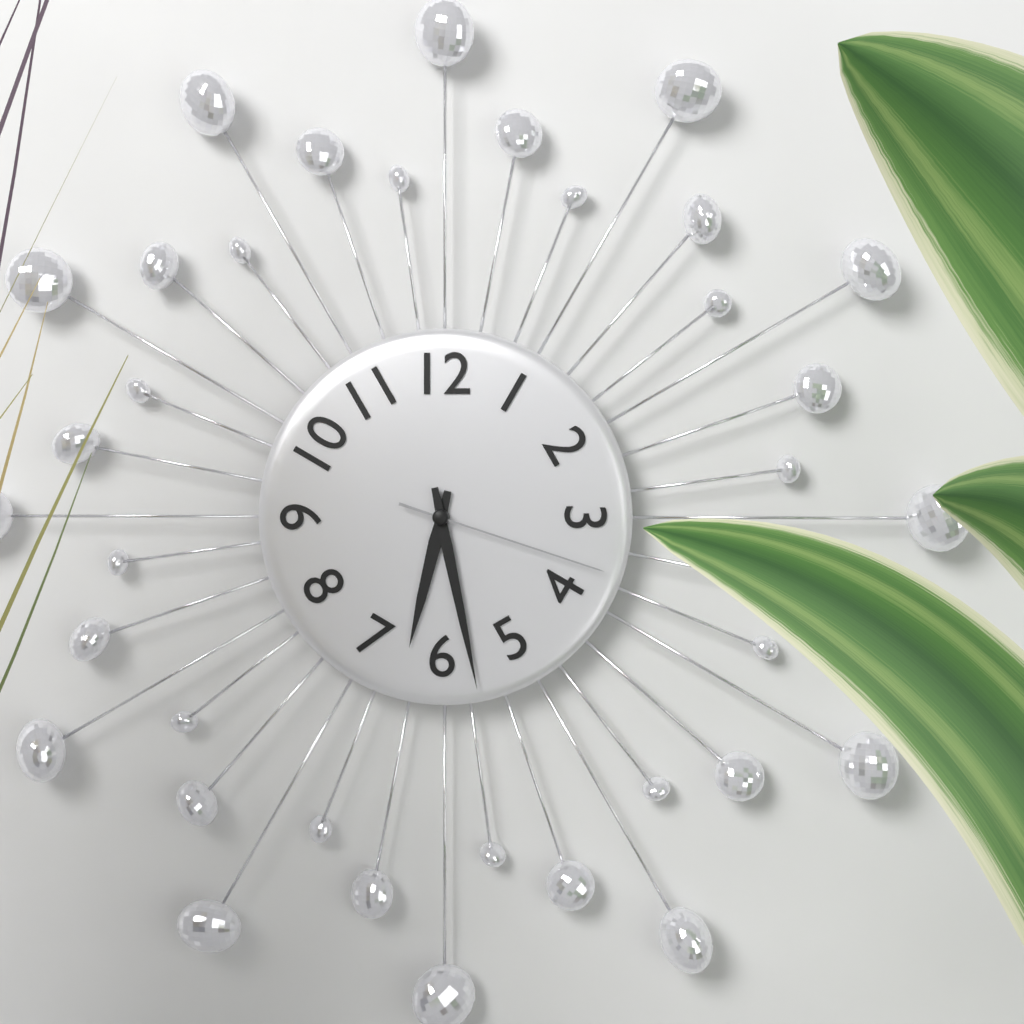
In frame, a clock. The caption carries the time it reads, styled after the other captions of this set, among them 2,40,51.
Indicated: 6,28,18
